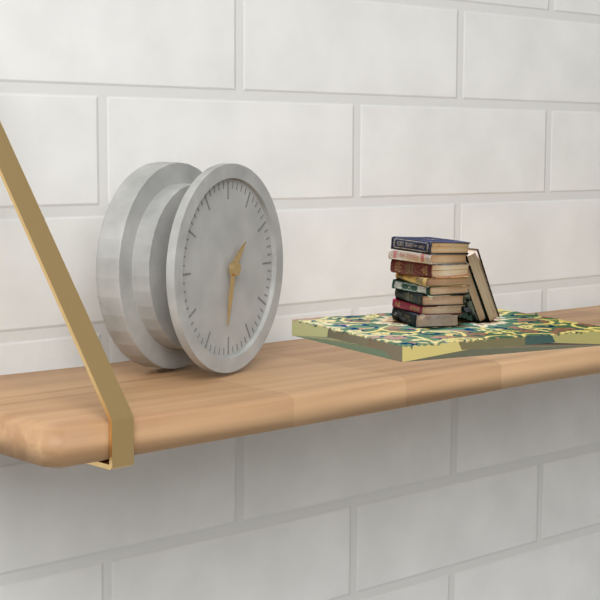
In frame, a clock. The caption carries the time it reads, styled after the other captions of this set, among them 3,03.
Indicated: 1,32
